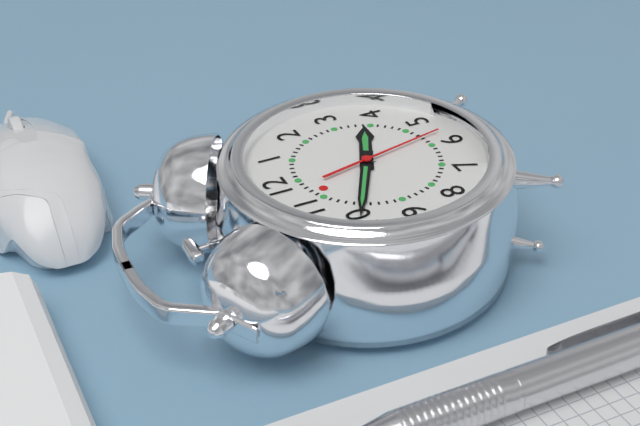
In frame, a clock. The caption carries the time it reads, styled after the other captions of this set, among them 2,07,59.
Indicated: 3,50,28
